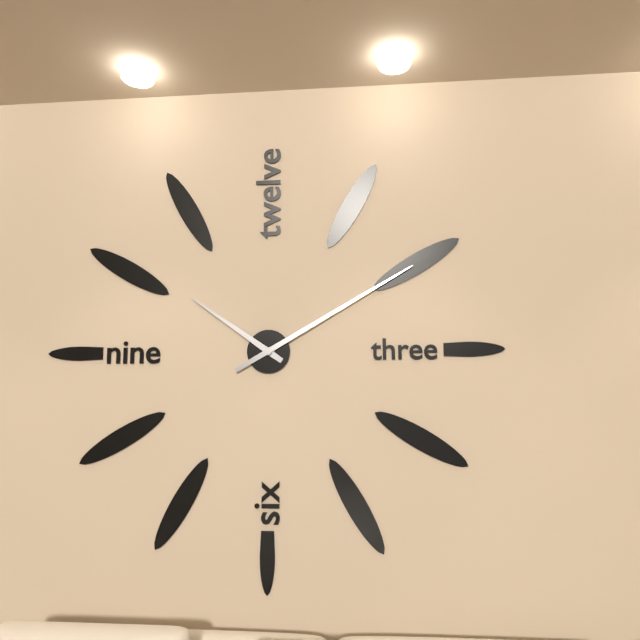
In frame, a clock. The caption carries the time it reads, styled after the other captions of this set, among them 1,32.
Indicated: 10,10
